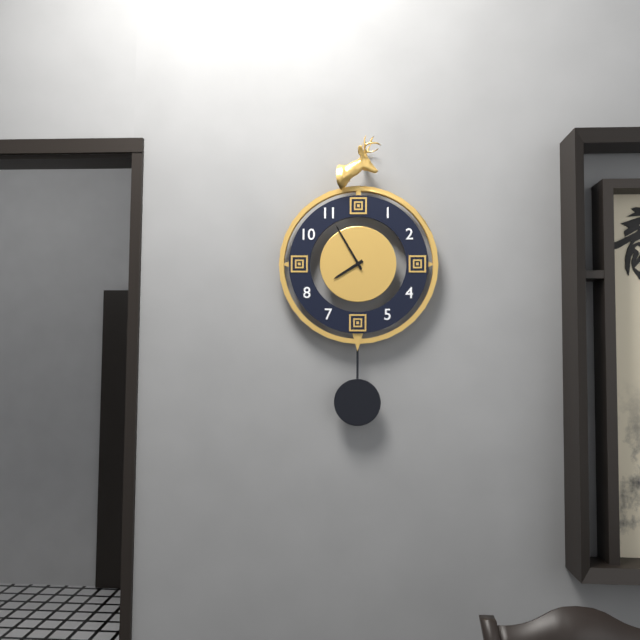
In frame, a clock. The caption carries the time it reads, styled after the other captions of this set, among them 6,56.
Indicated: 7,55
